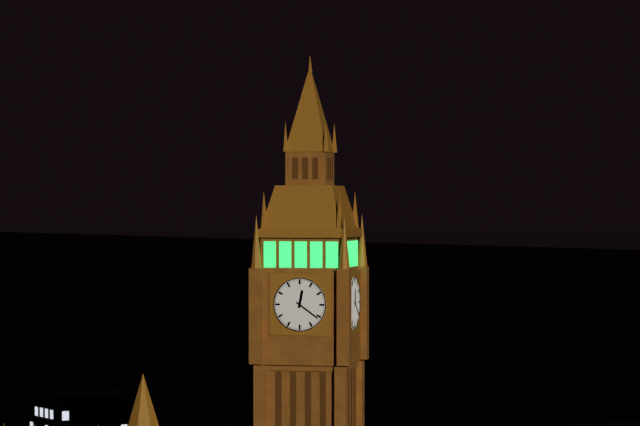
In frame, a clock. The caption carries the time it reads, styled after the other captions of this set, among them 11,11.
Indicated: 12,21
